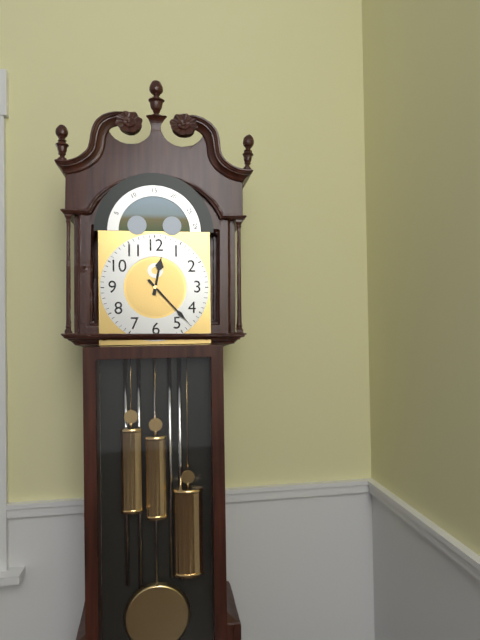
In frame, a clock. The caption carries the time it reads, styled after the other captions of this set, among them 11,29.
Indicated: 12,23
